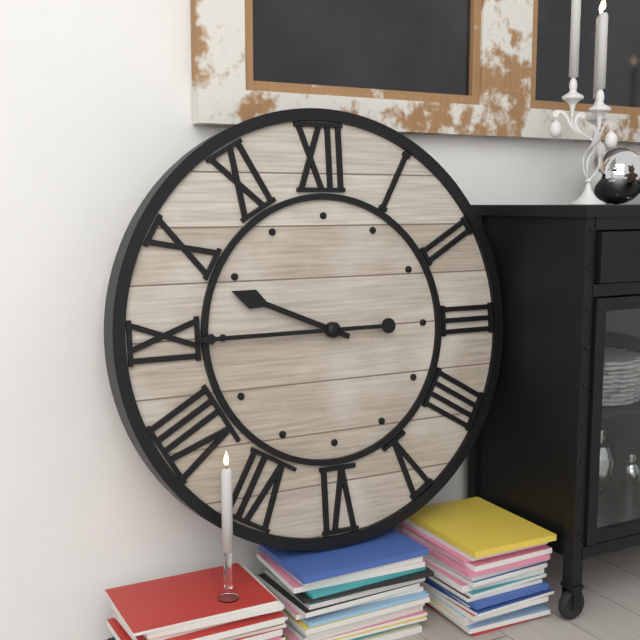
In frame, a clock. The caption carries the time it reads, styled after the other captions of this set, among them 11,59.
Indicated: 9,45
